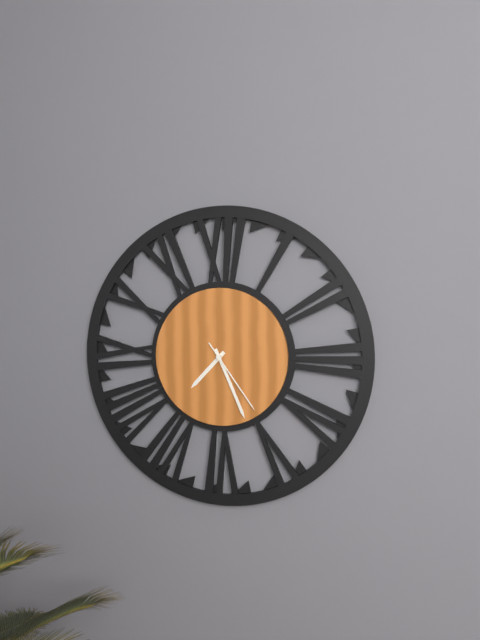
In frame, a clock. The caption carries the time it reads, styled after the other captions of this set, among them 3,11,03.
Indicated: 7,26,24
